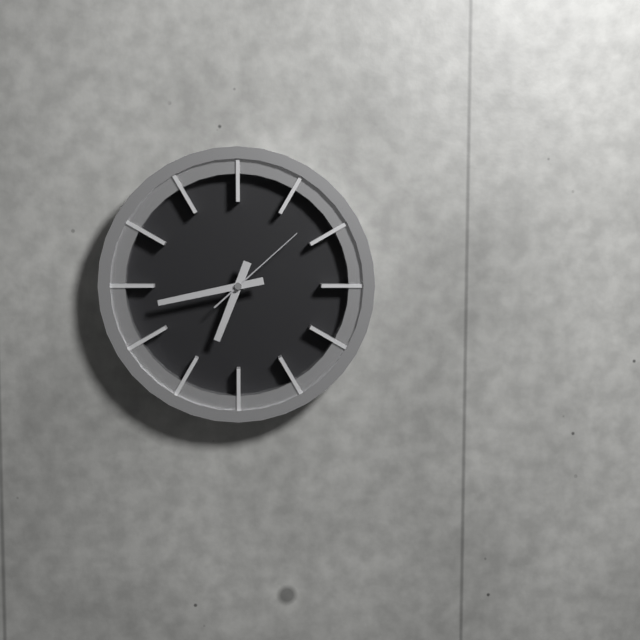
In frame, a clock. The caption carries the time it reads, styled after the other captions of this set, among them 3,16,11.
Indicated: 6,43,08
